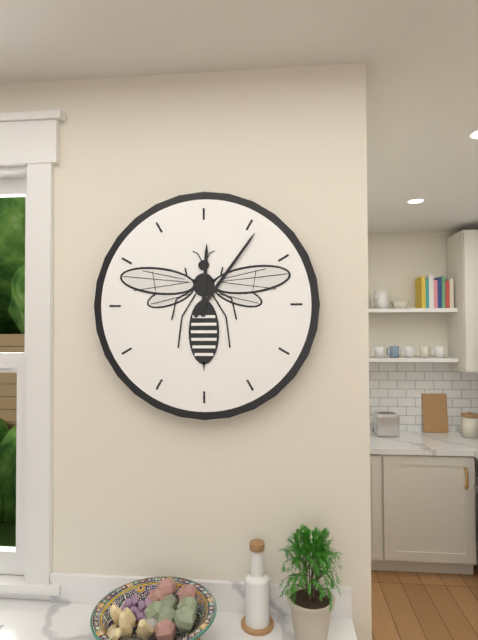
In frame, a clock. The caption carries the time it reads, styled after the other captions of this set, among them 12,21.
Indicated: 12,06
